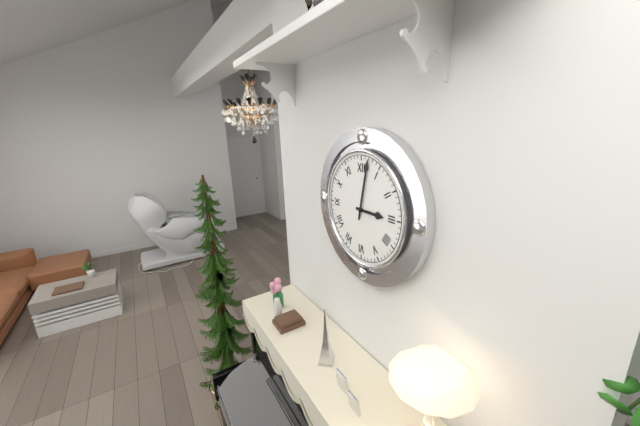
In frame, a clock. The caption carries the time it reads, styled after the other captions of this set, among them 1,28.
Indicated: 3,02
